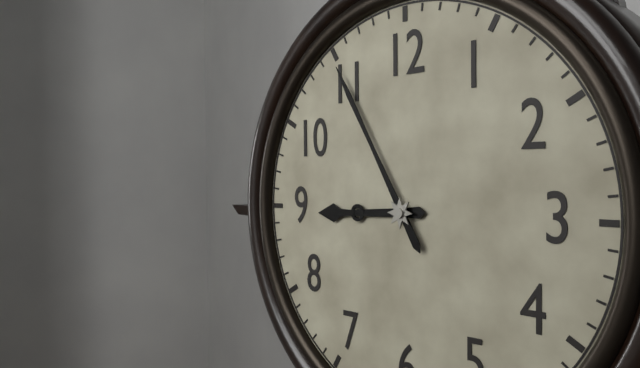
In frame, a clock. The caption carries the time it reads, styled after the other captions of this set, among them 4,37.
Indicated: 8,55
